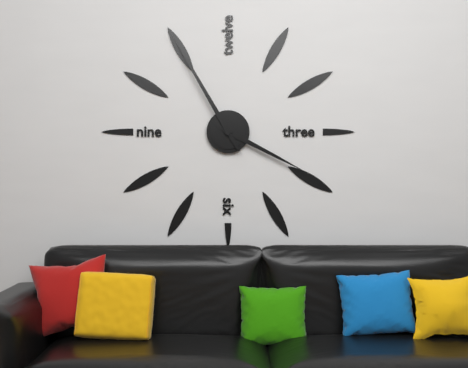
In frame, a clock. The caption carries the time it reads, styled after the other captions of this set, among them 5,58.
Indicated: 3,55
